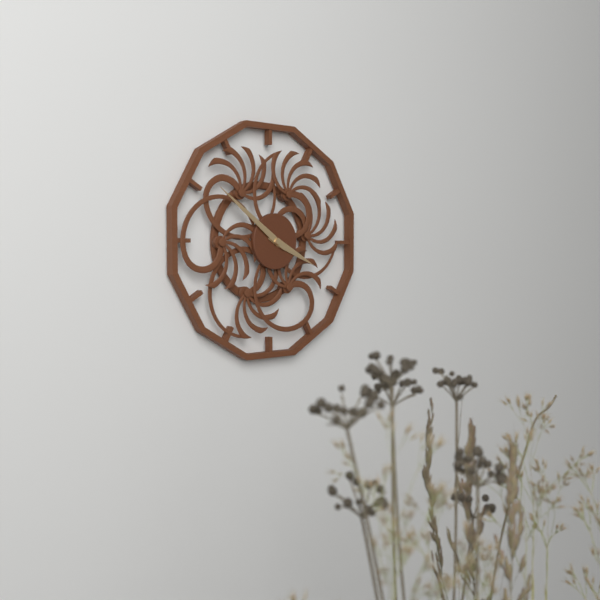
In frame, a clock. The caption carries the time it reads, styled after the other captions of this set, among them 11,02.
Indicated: 3,51
